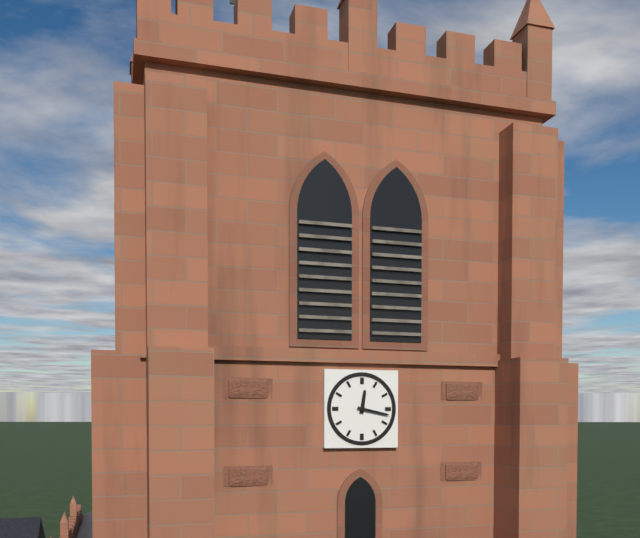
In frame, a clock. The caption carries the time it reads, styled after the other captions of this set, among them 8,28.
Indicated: 12,17
